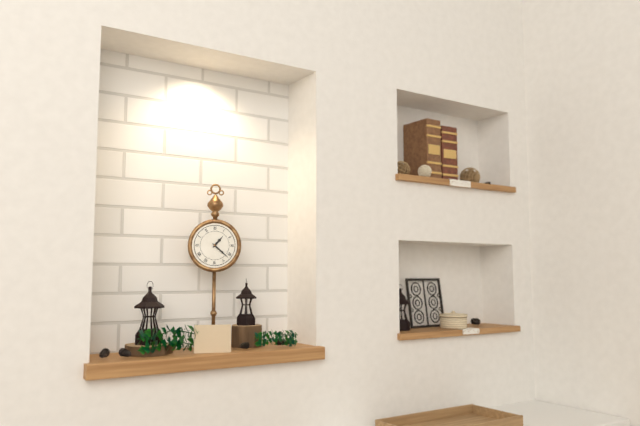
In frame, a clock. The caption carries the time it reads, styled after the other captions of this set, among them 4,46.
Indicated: 1,22
